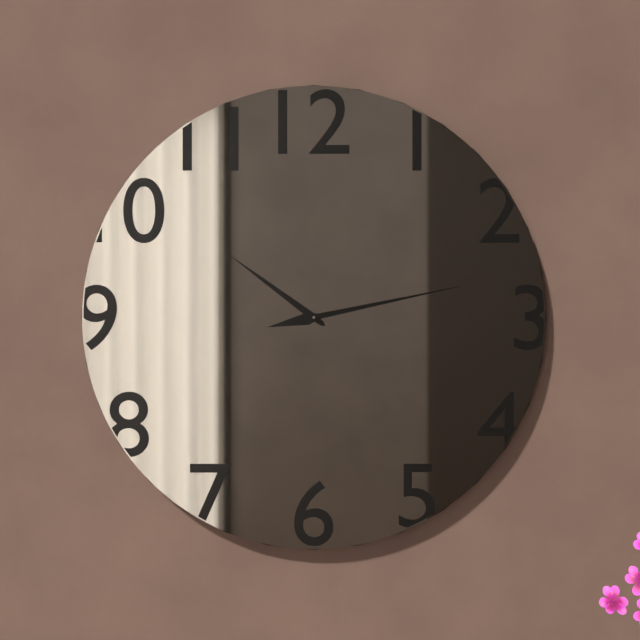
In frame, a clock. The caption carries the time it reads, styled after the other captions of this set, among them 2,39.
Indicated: 10,13
